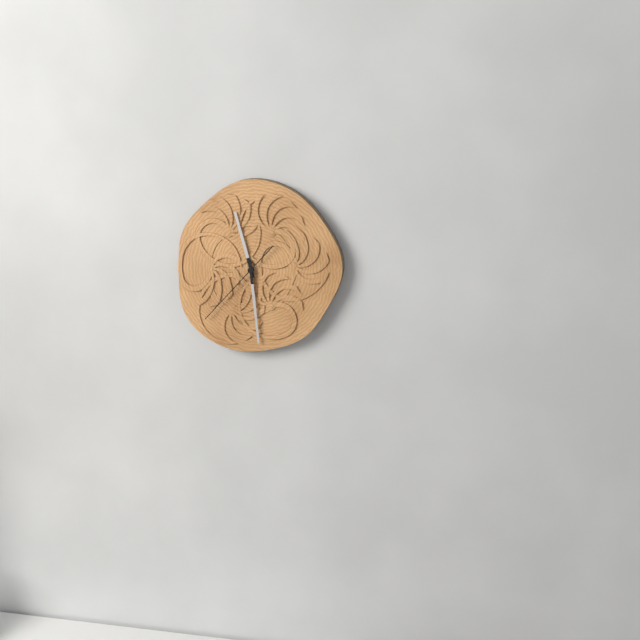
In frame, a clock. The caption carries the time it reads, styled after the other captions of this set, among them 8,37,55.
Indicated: 11,29,37
